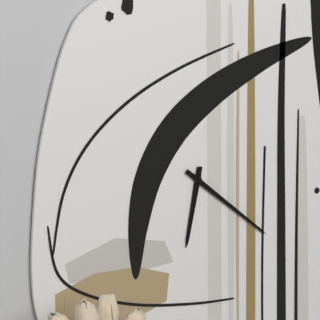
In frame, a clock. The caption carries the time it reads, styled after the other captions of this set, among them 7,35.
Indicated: 6,22
